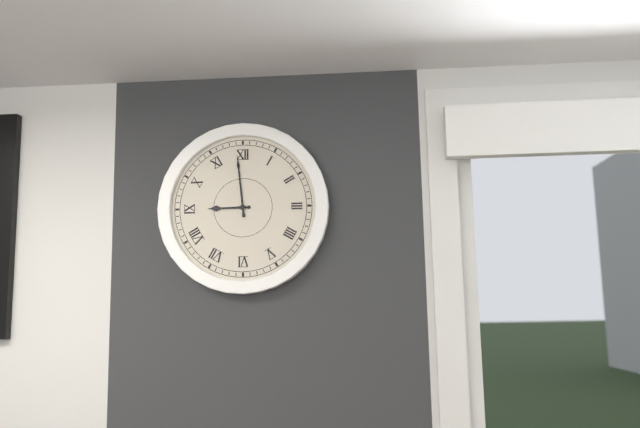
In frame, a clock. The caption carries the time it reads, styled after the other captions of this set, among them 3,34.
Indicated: 8,59
